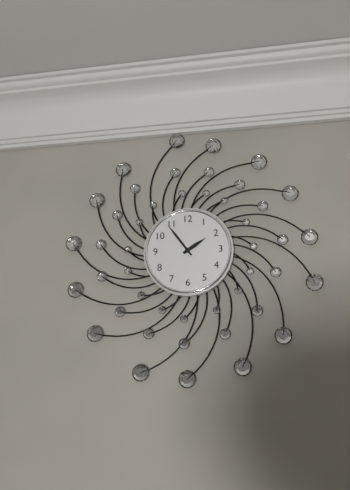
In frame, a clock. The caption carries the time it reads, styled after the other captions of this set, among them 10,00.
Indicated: 1,54
